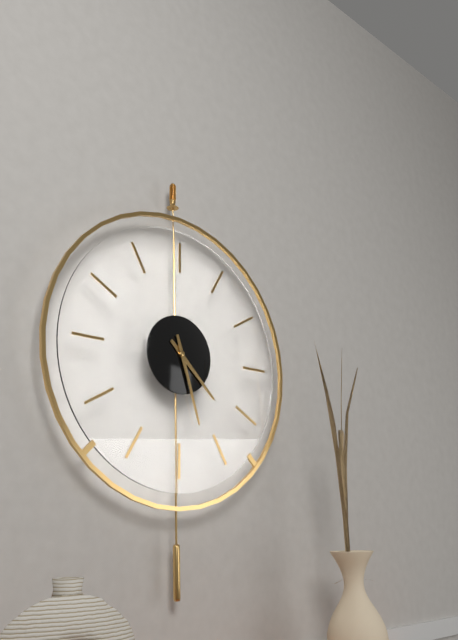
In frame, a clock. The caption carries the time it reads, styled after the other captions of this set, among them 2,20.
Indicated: 4,27
